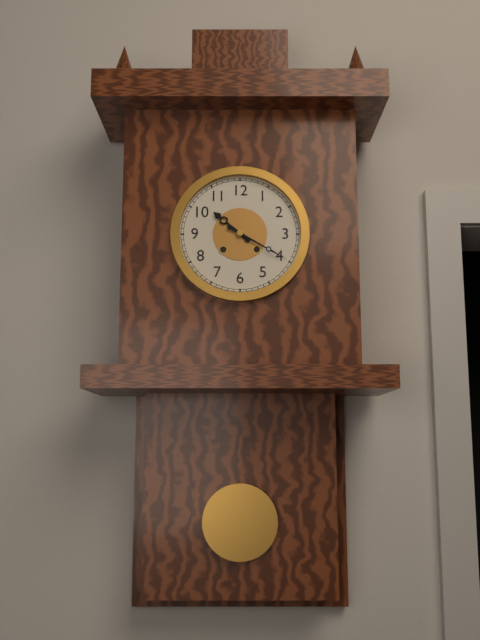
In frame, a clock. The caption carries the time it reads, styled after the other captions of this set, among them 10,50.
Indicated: 10,20
